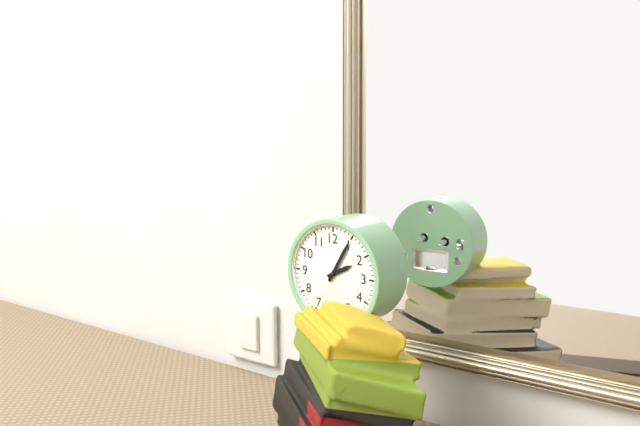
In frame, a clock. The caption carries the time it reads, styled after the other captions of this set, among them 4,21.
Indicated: 2,05
